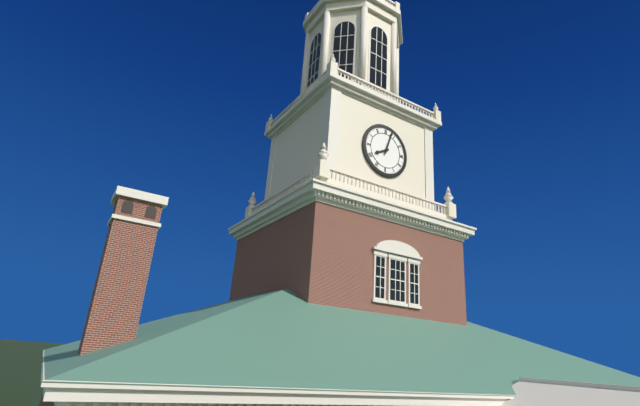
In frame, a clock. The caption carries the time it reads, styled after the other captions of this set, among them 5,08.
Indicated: 8,03
